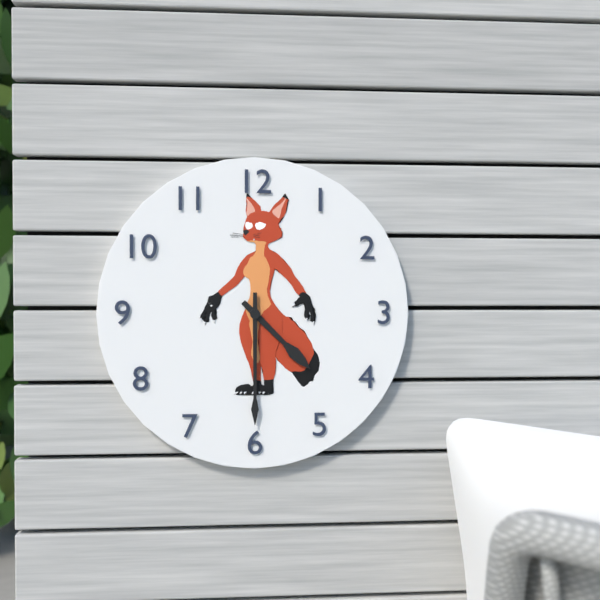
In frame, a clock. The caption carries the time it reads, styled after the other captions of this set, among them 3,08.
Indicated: 4,30
